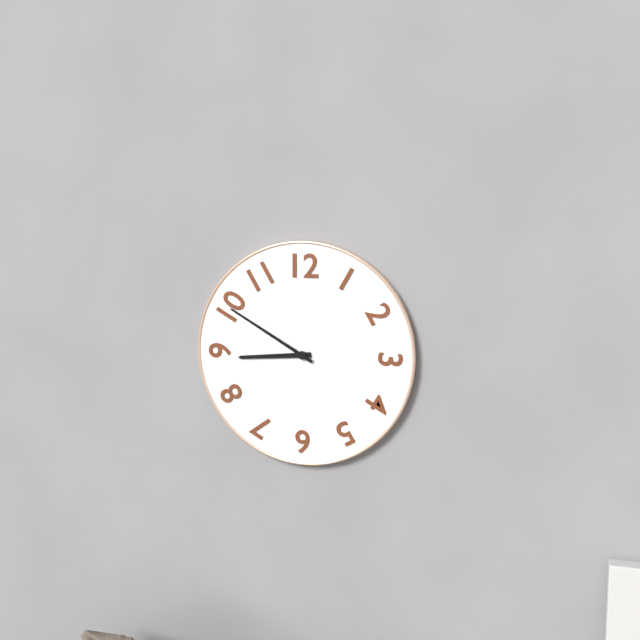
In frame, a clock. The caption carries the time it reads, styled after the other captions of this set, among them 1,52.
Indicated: 8,50
